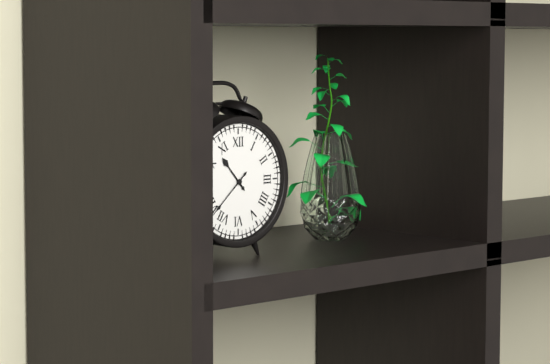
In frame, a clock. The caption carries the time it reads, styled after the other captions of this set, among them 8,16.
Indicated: 10,38
